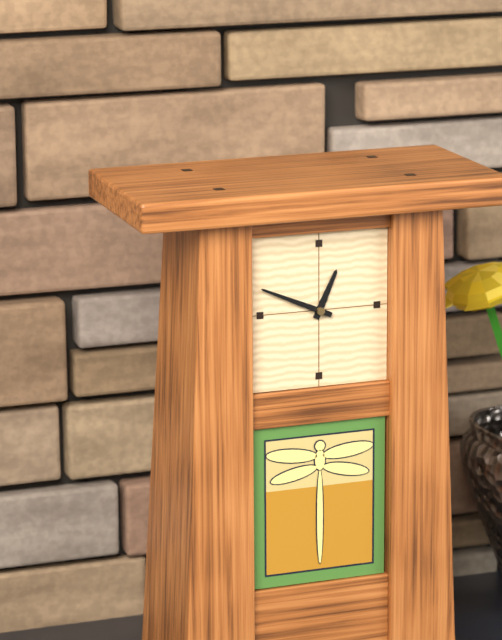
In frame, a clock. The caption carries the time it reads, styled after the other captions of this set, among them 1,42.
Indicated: 12,49
